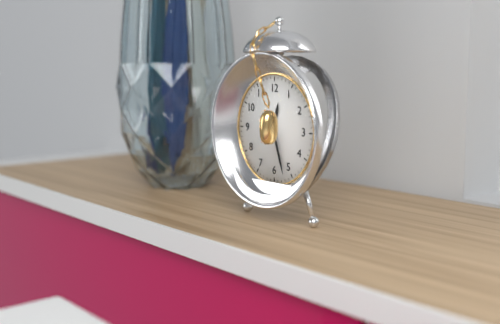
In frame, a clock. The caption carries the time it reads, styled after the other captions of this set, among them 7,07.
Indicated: 12,27
